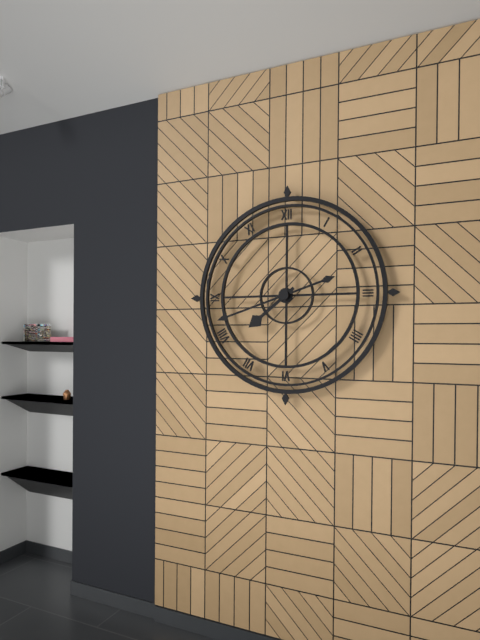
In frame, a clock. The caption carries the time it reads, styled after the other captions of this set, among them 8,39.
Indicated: 7,42
